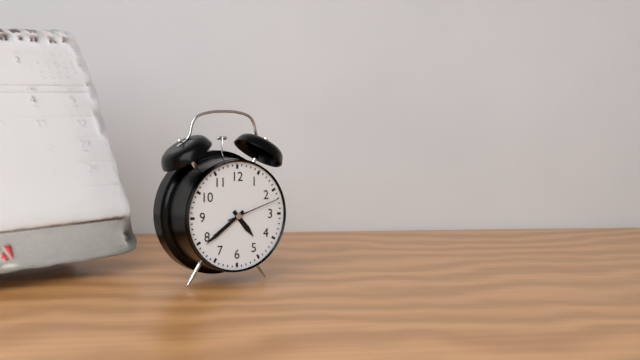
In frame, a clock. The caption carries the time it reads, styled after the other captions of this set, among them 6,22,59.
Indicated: 4,39,12
